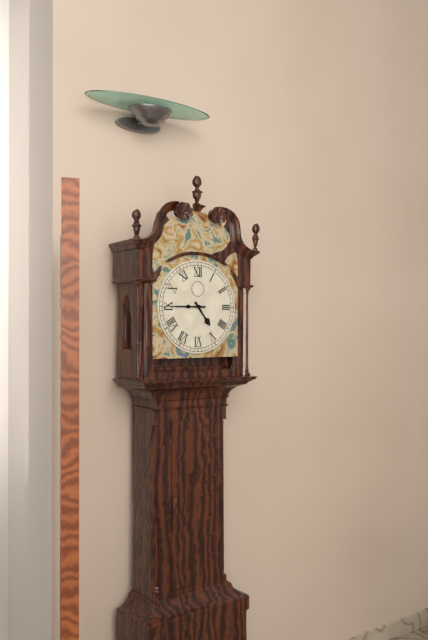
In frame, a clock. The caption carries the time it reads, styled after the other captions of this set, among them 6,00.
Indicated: 4,45
